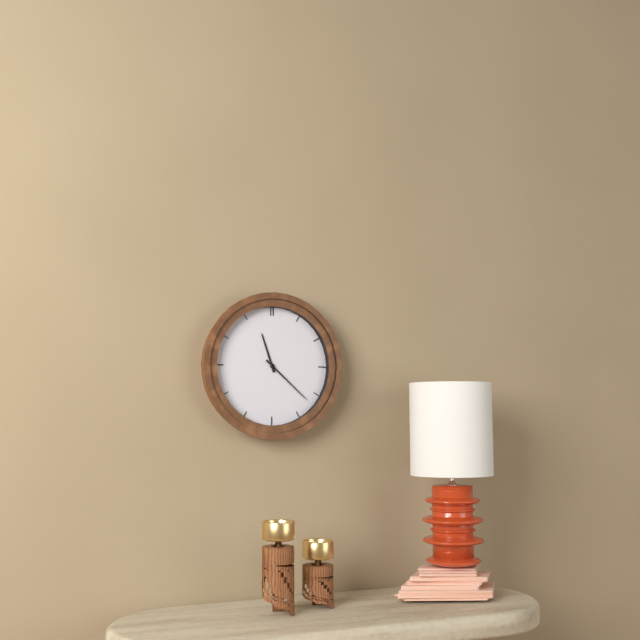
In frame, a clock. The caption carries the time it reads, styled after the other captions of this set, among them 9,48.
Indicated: 11,22
